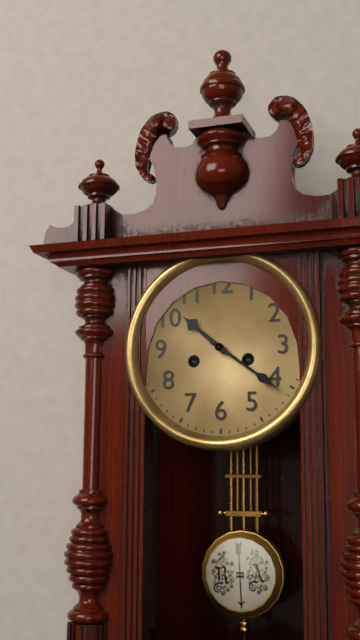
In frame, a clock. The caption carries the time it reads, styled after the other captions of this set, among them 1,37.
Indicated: 10,21
